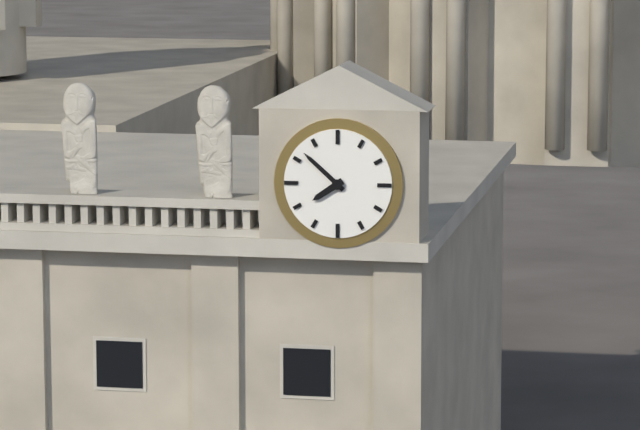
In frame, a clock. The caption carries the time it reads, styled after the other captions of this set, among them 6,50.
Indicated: 7,52
